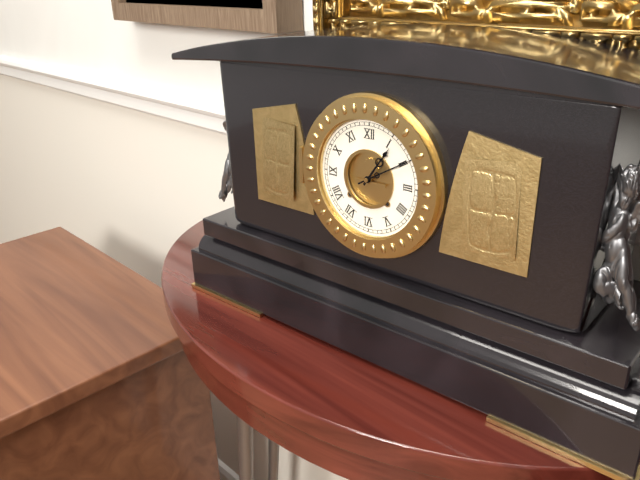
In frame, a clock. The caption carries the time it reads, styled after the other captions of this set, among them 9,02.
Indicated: 1,10
